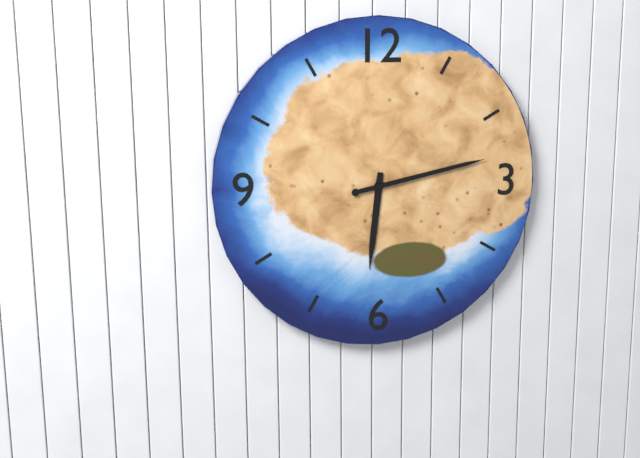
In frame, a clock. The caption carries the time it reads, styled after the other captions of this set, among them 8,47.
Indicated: 6,13
